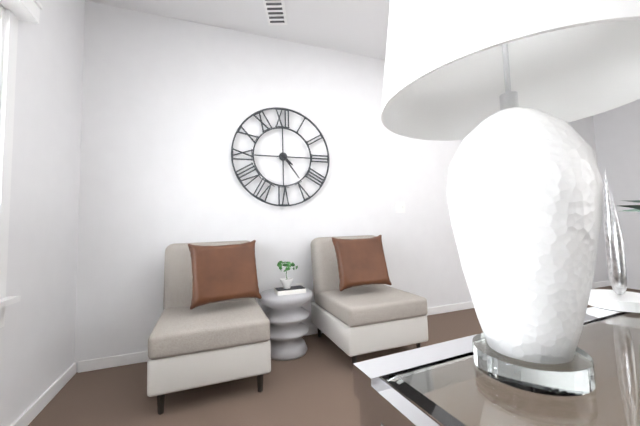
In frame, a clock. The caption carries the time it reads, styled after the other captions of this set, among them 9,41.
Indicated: 4,24
